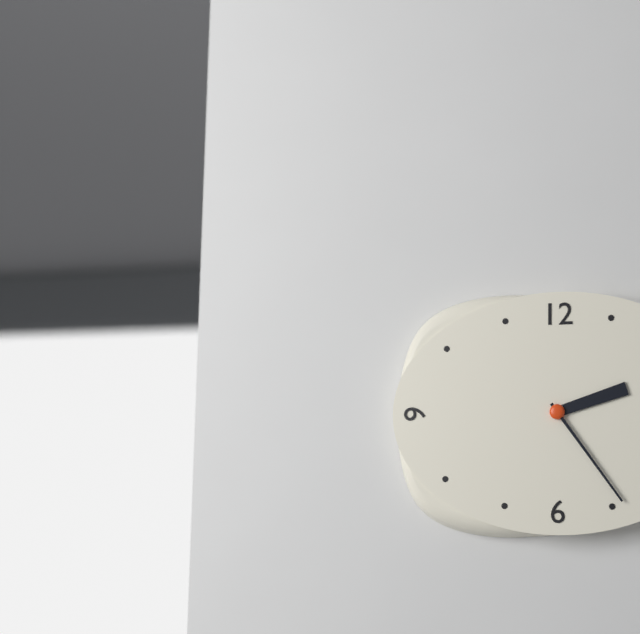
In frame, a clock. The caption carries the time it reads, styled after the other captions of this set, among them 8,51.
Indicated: 2,24
